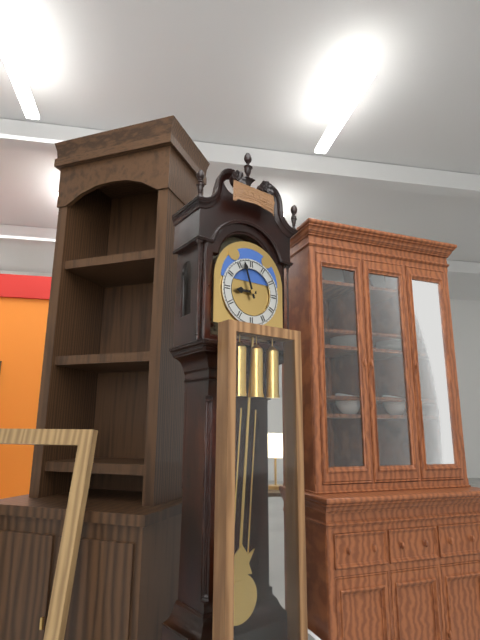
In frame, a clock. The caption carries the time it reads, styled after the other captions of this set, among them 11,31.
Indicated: 8,57
